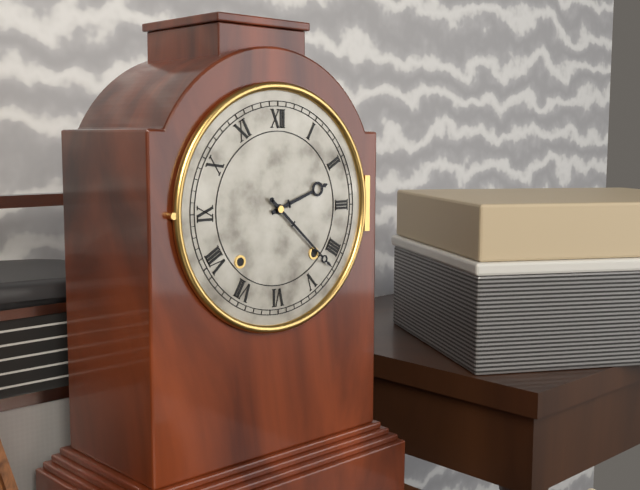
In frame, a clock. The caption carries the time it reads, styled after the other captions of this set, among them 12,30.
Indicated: 2,22
